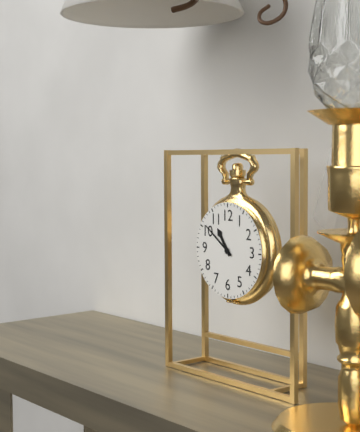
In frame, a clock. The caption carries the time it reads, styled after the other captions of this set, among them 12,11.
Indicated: 10,51
